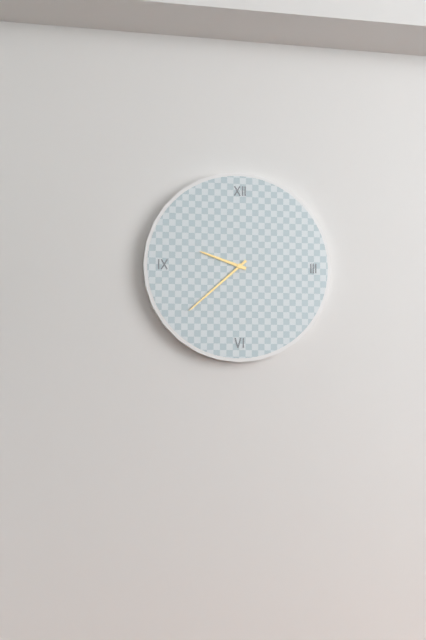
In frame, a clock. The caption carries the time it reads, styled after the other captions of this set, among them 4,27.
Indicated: 9,38
